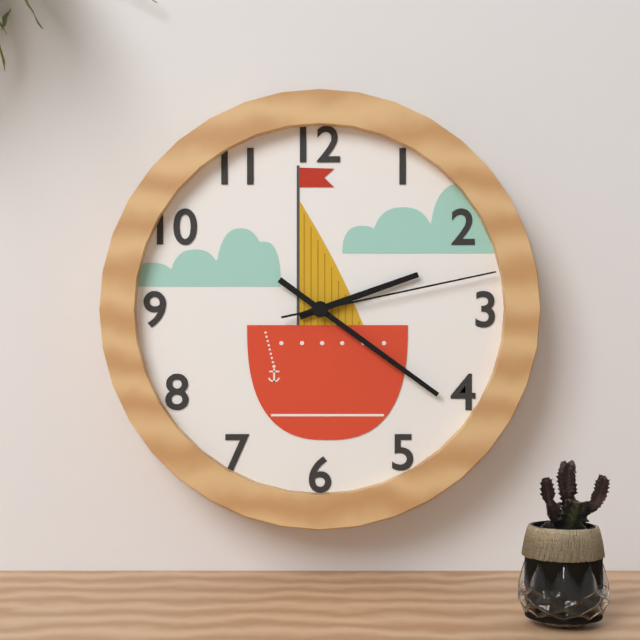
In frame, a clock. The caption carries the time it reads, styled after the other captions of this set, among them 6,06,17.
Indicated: 2,21,13
